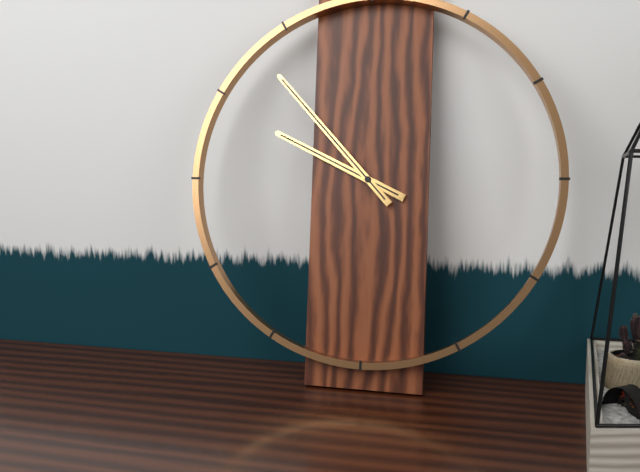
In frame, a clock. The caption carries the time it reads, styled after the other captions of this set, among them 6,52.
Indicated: 9,53
